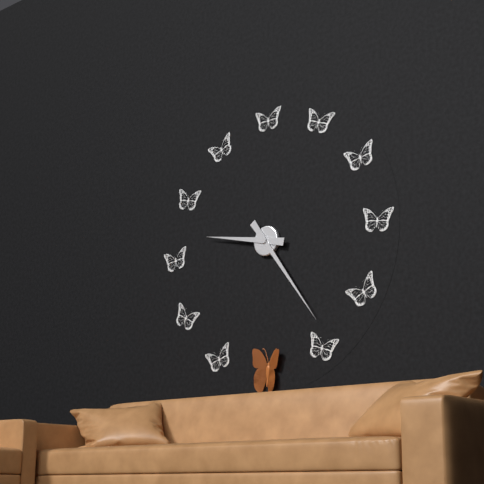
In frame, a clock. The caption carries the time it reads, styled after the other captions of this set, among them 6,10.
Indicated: 9,24
